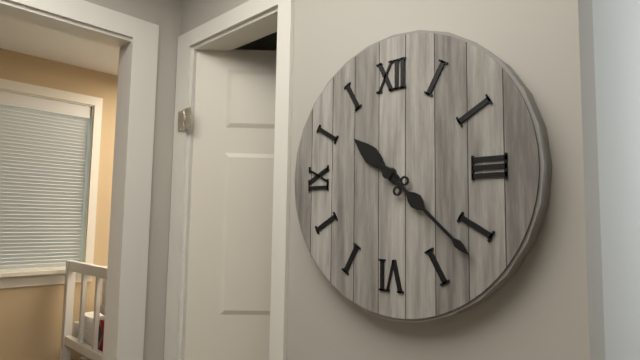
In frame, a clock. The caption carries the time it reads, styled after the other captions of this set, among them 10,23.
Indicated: 10,22
